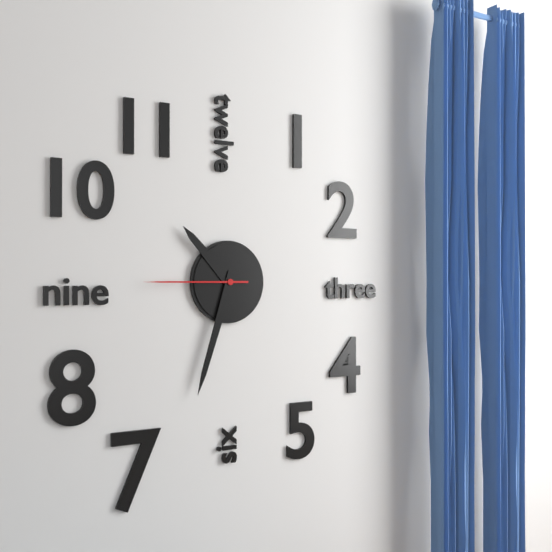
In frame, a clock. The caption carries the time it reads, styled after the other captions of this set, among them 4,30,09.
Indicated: 10,33,45
